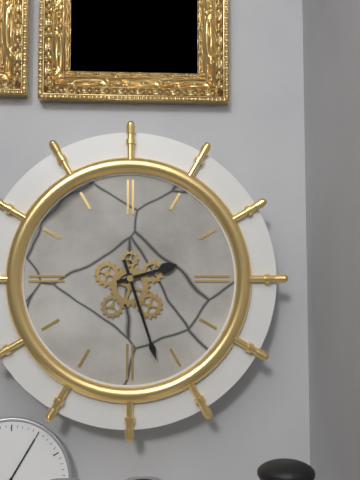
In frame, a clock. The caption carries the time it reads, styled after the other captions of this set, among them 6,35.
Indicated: 2,27
